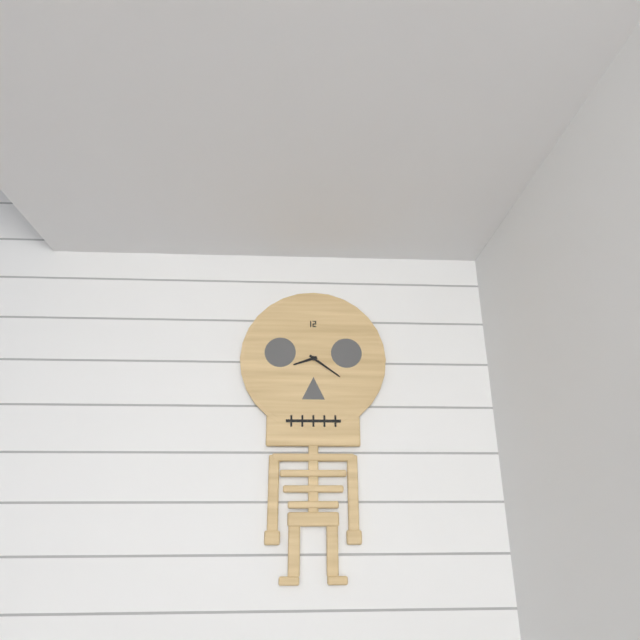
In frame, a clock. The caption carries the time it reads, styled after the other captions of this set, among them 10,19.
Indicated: 8,21
